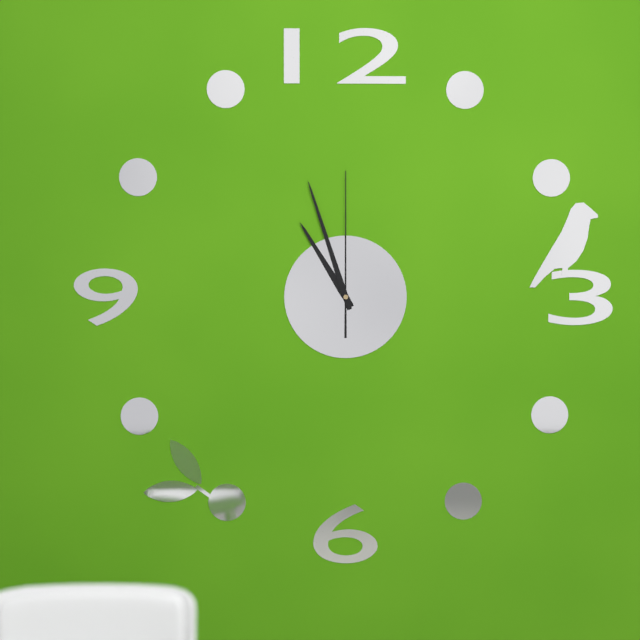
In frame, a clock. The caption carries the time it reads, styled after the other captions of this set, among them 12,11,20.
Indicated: 10,57,00
